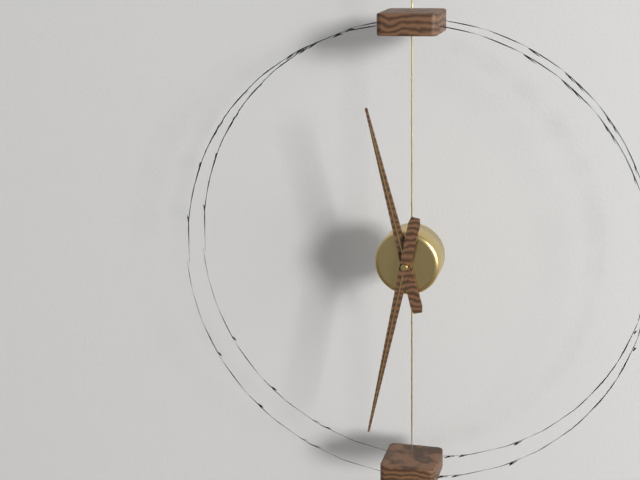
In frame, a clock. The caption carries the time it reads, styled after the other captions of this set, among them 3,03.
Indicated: 11,32
